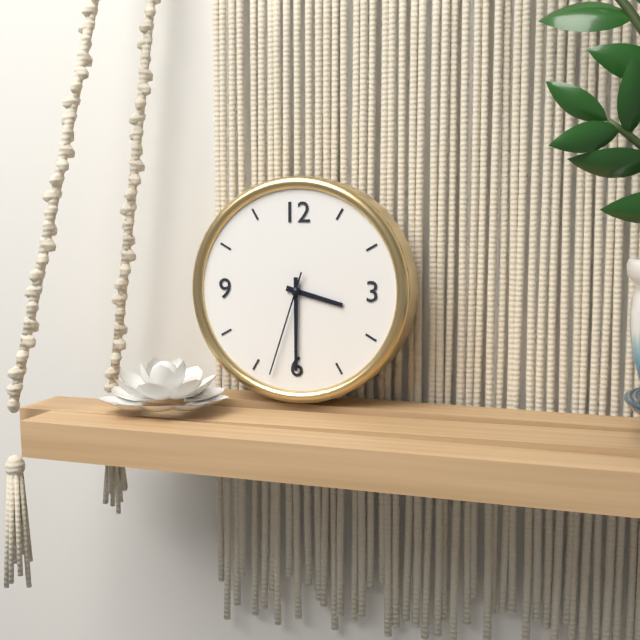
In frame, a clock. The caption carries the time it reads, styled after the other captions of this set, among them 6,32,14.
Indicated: 3,30,33
